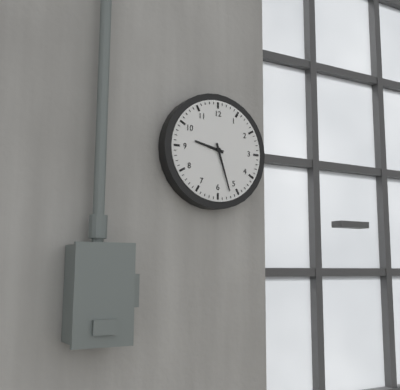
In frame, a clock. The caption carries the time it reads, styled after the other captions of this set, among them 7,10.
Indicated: 9,27
